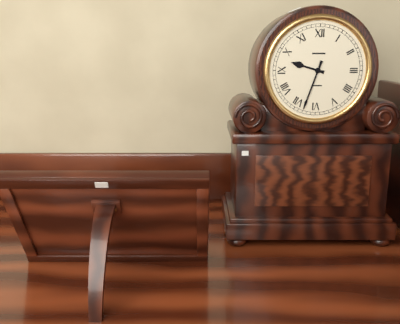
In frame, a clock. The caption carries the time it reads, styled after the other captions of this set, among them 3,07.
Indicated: 9,33
